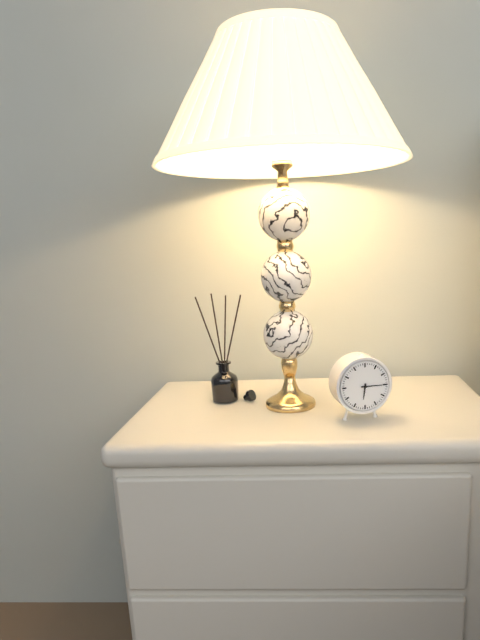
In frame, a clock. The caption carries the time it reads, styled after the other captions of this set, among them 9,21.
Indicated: 6,15
